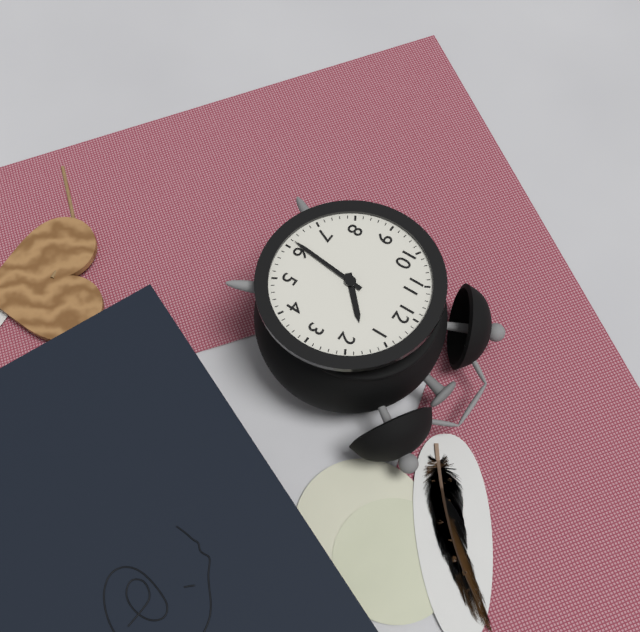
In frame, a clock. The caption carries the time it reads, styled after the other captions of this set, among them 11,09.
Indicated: 1,31
